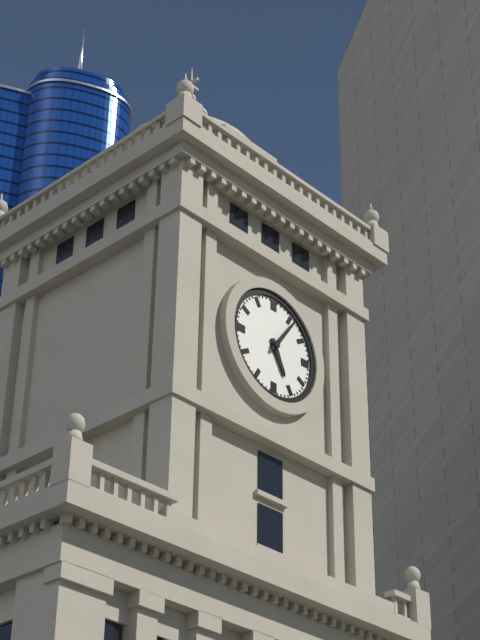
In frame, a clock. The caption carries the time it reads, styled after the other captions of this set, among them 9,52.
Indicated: 5,06
